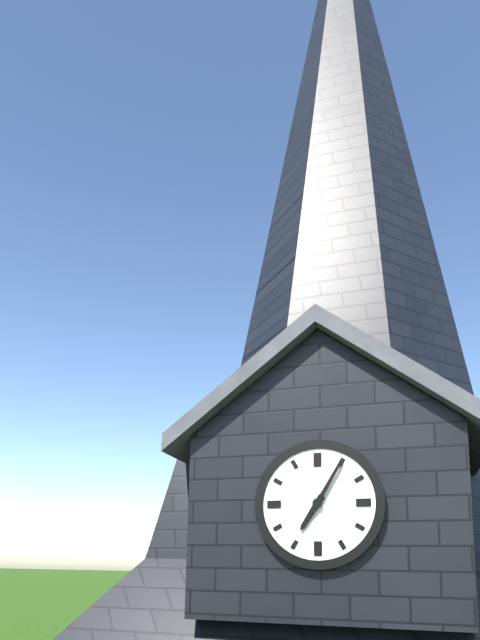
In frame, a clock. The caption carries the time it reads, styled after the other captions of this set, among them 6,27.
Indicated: 7,05
